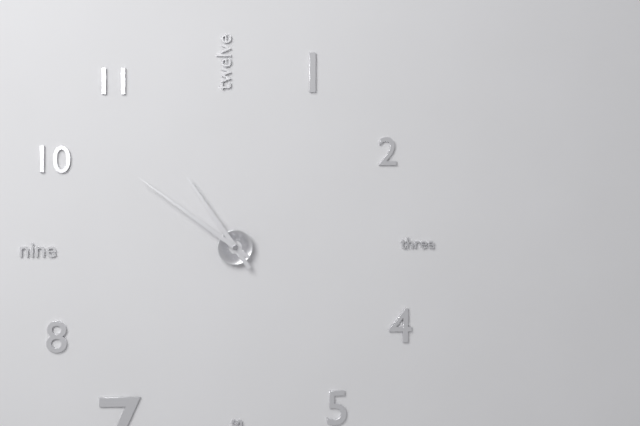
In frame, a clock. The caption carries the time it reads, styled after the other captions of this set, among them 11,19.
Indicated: 10,51
